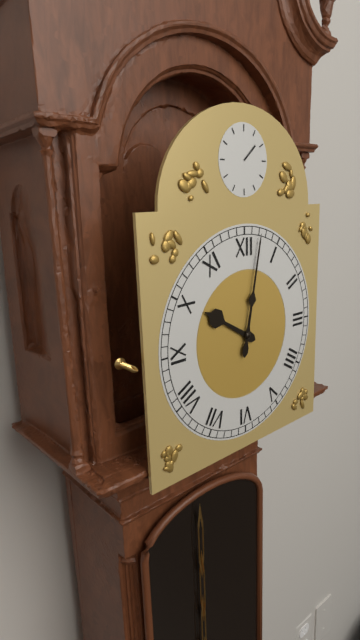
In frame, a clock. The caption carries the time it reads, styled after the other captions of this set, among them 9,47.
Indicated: 10,02
